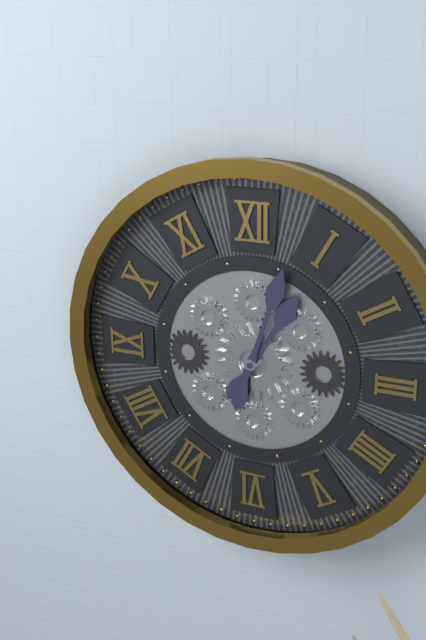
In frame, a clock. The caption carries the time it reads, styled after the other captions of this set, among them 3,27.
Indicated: 1,03
